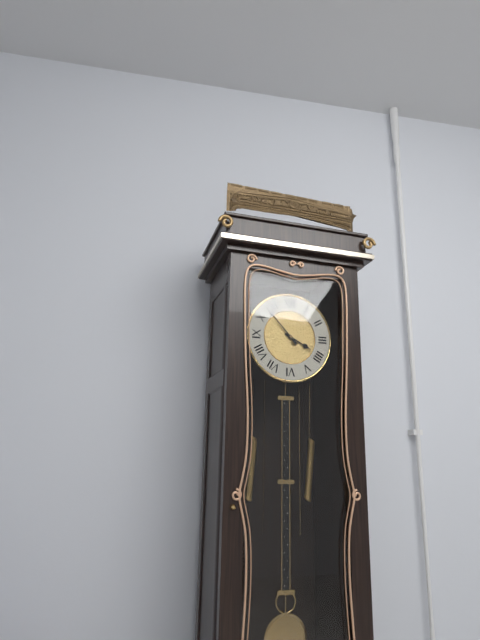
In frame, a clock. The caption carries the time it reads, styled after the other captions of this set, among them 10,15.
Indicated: 3,53
